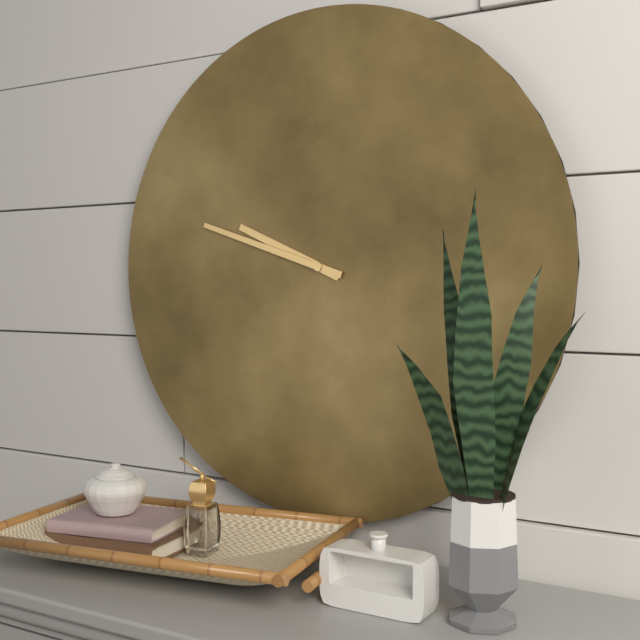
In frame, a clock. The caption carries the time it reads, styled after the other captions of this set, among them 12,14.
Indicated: 9,48
